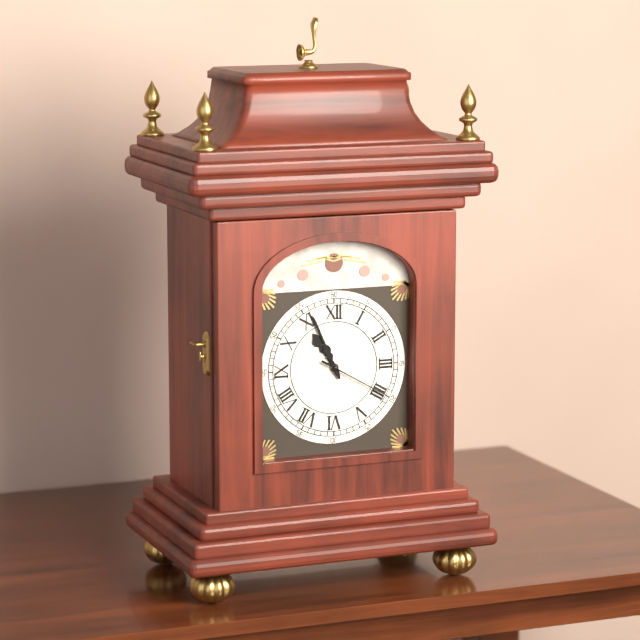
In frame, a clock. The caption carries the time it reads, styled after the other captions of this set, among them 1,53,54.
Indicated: 10,56,20
